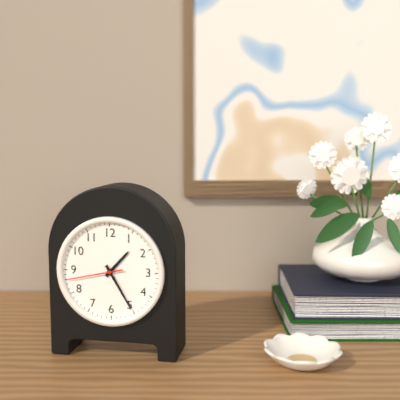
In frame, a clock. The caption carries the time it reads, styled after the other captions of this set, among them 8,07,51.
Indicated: 1,25,43
